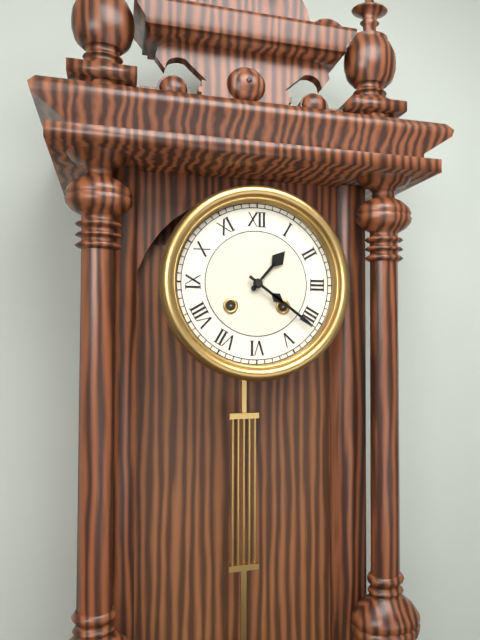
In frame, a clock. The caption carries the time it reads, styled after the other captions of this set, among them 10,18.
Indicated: 1,21
